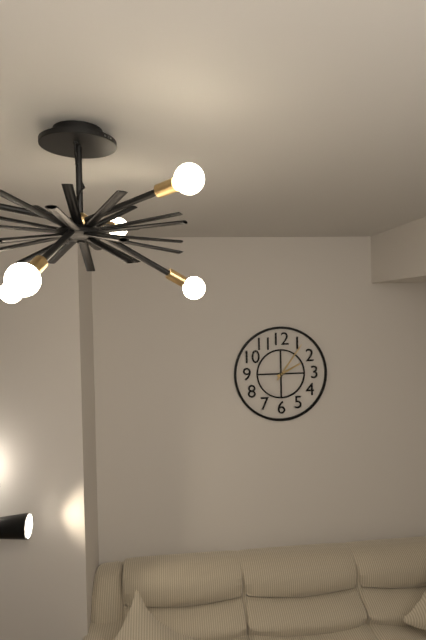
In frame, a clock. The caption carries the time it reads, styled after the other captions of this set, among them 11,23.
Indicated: 2,06
